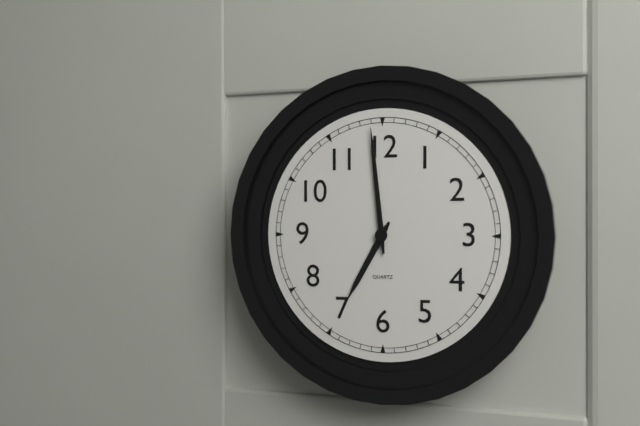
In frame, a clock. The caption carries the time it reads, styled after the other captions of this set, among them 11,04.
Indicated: 6,59
